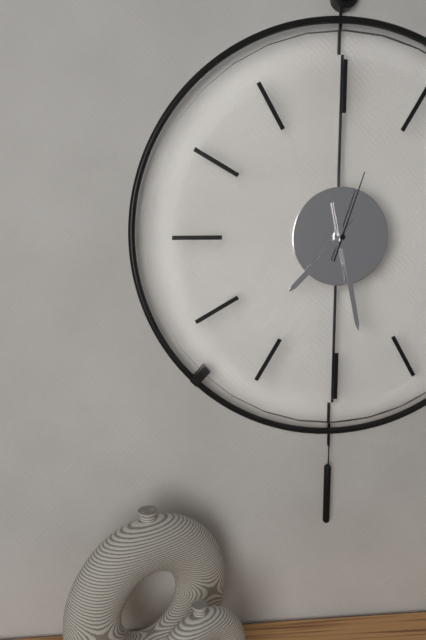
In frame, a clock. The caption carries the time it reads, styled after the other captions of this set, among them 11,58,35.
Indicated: 7,28,03
